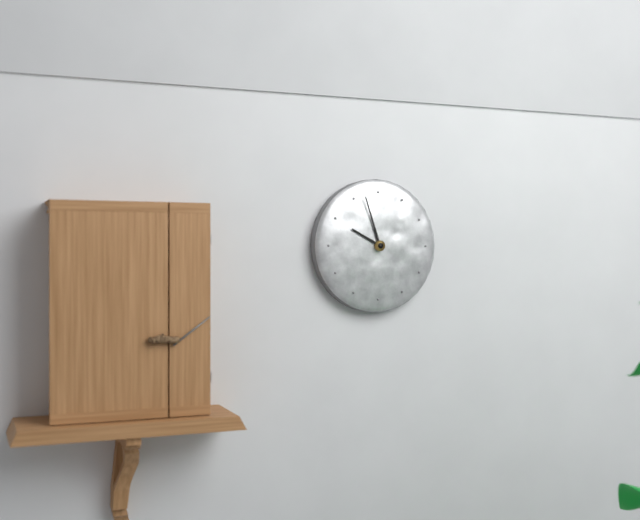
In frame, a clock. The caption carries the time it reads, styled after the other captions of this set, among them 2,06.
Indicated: 9,57
